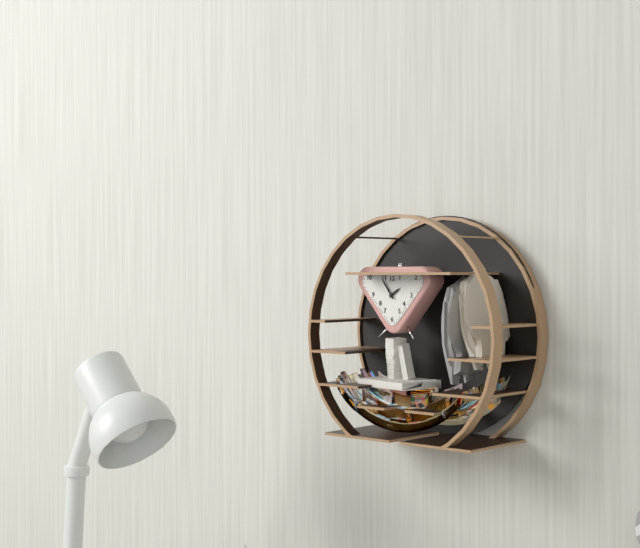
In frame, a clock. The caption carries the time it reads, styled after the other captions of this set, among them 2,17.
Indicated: 1,54
